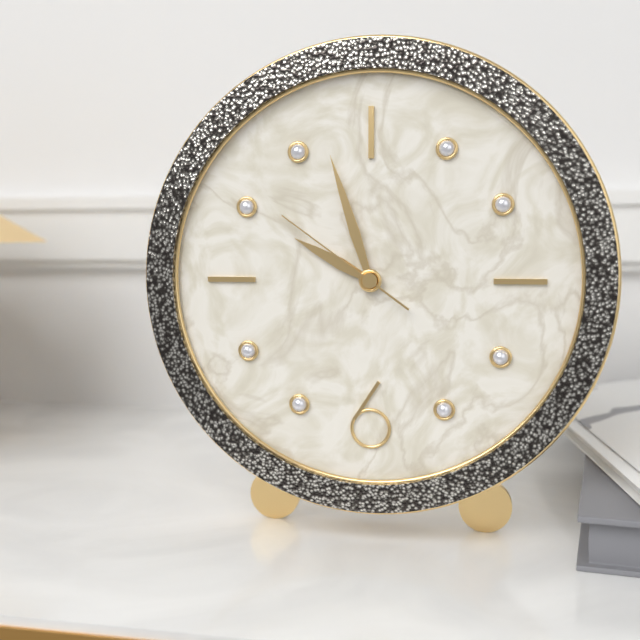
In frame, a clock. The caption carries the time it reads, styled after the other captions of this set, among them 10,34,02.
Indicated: 9,57,51
